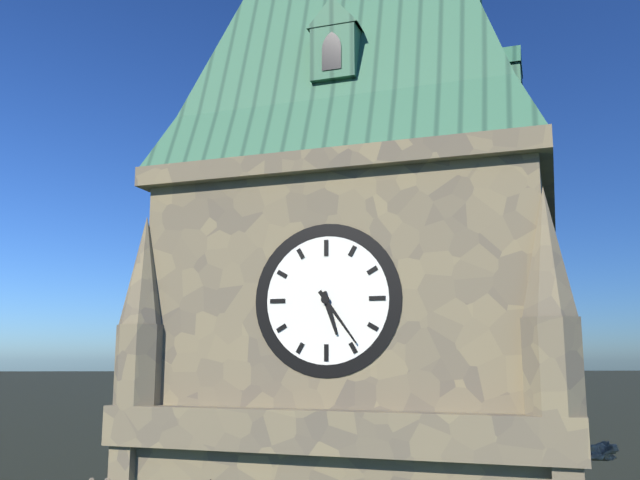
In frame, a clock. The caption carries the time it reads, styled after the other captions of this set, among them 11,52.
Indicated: 5,24
